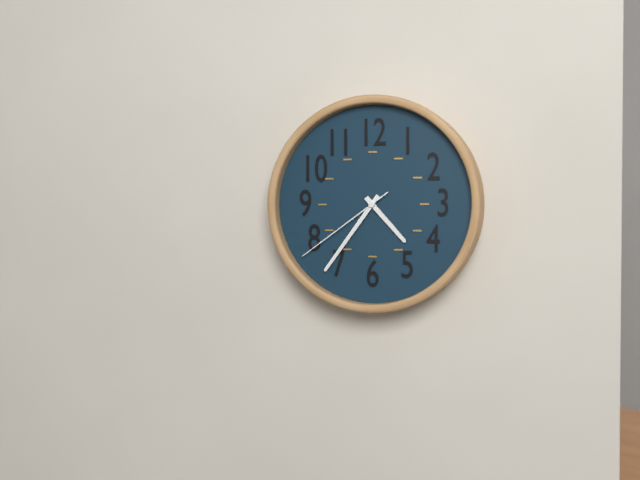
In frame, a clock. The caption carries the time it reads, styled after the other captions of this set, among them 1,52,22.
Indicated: 4,36,39
